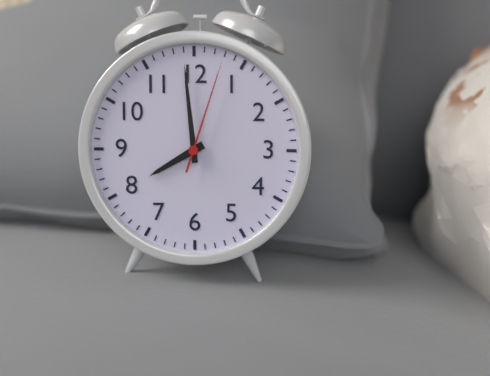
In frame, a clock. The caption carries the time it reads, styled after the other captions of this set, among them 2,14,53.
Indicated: 7,59,03
